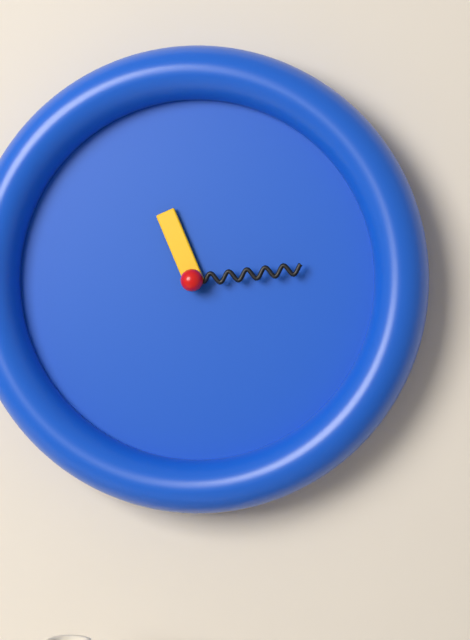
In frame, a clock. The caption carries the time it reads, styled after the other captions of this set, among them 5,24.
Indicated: 11,14
